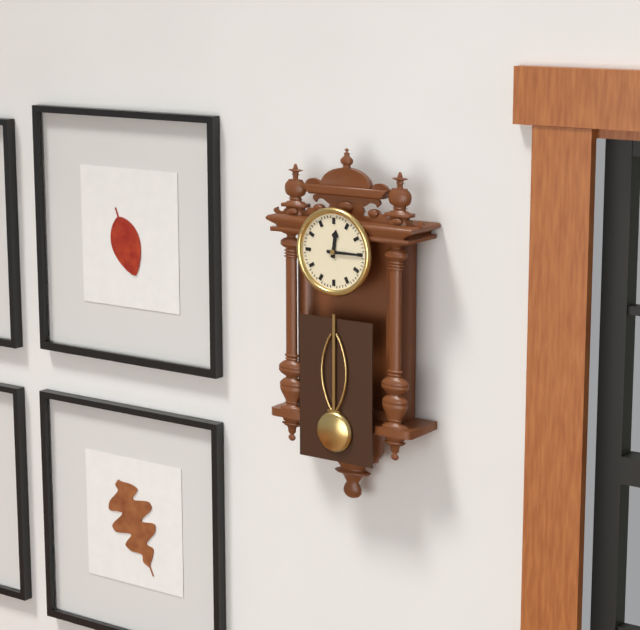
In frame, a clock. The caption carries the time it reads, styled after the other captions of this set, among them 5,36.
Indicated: 12,15
